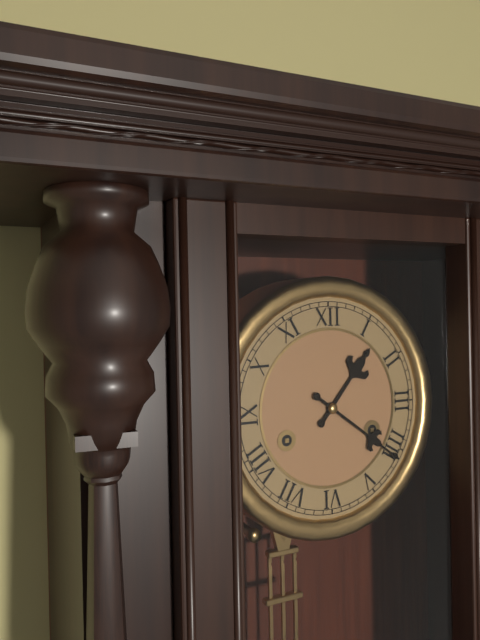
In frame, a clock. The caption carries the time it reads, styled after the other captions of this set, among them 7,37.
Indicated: 1,21
